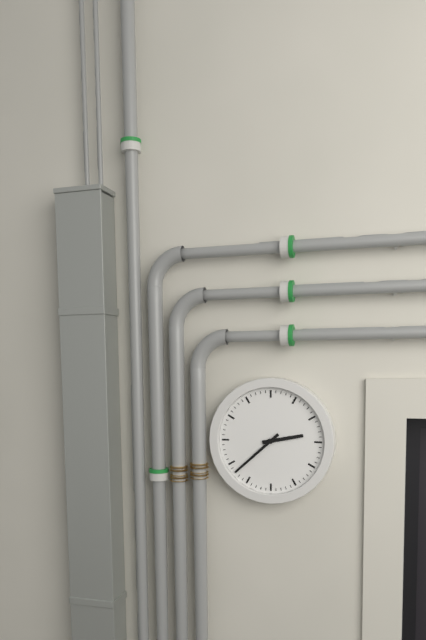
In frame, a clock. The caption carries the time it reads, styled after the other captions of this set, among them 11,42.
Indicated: 2,38
